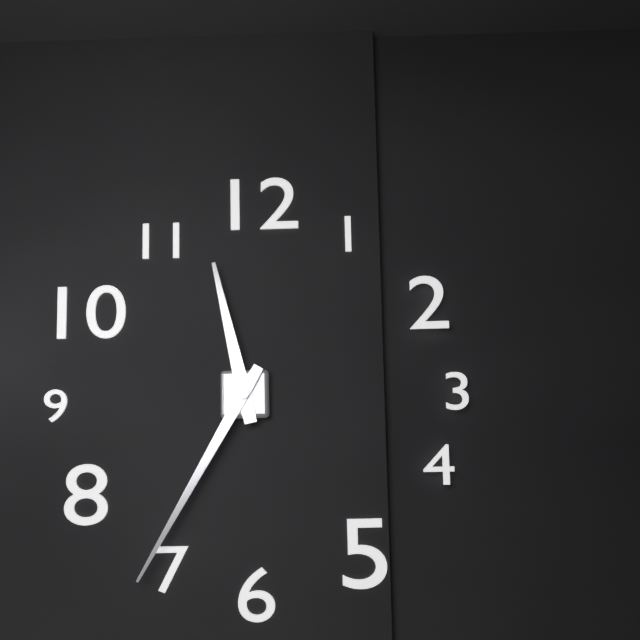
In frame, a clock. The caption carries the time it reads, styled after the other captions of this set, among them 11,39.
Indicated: 11,35
